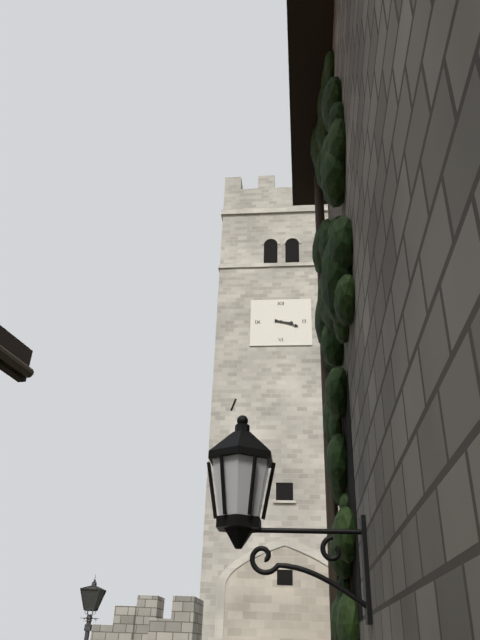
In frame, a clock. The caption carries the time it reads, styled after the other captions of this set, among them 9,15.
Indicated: 3,18
